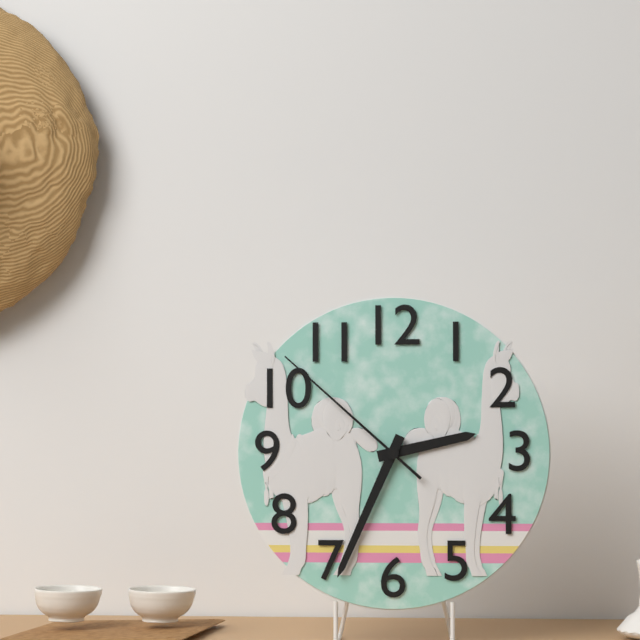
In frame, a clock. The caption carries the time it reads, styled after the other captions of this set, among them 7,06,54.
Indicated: 2,34,52
